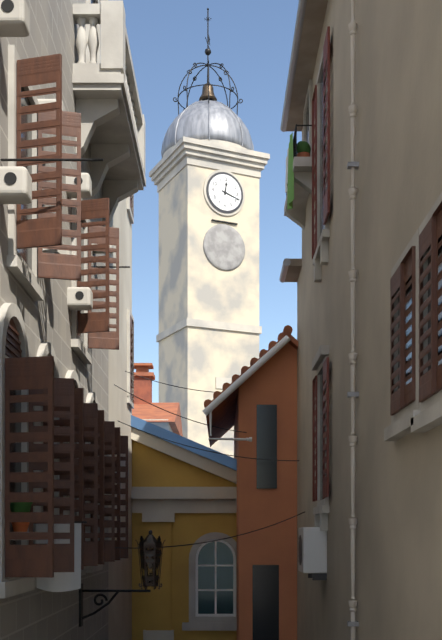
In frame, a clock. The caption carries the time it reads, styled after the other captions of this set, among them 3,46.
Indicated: 12,18
